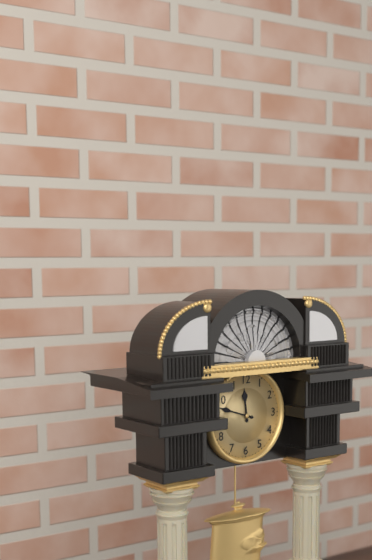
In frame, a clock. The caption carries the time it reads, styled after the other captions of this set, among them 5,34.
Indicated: 11,48
